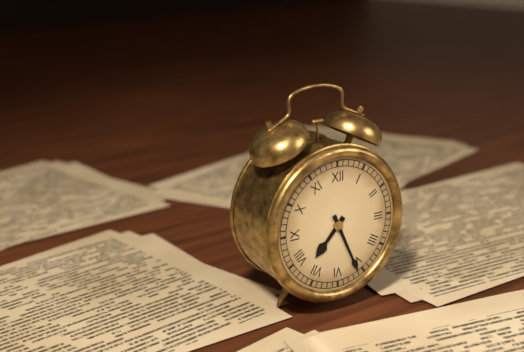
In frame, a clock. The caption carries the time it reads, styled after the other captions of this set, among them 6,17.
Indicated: 7,26
